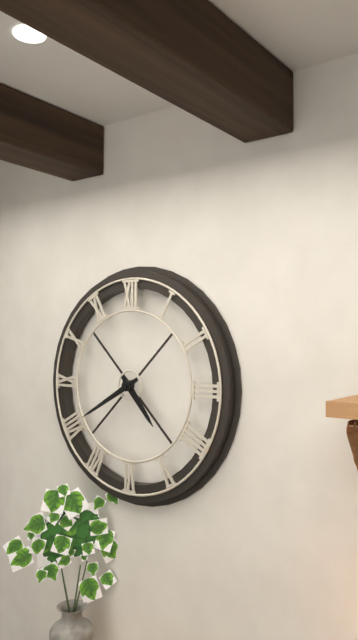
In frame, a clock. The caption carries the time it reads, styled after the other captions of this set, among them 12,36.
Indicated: 4,40
